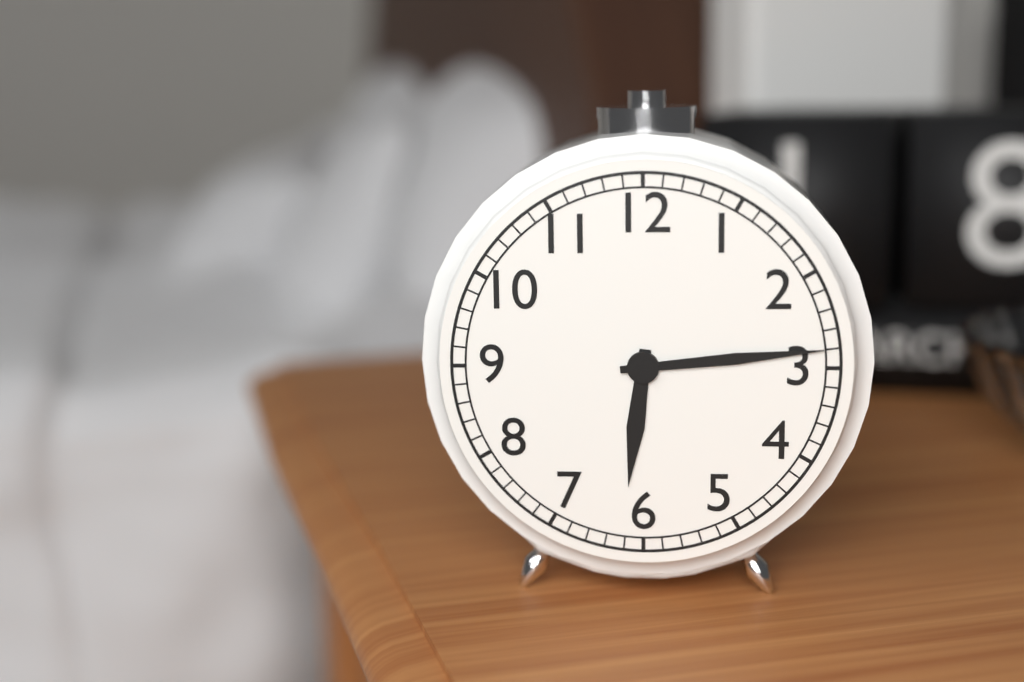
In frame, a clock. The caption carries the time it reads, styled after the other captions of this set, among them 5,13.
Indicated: 6,14
